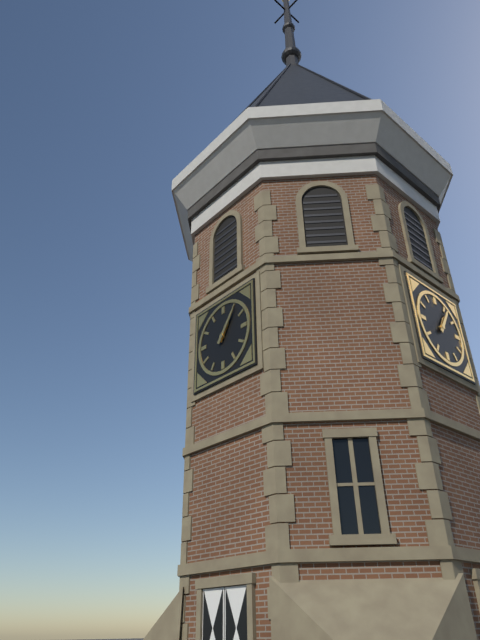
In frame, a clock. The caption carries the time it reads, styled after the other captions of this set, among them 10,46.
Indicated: 1,06
